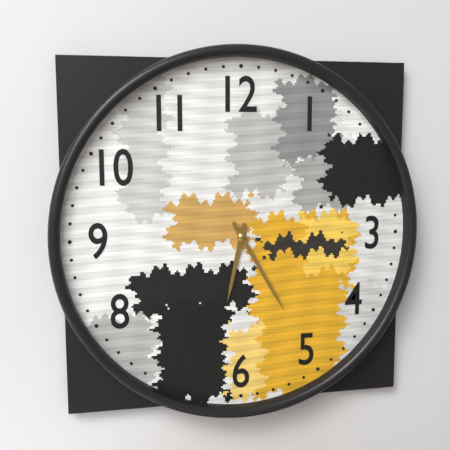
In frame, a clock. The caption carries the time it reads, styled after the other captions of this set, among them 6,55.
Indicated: 6,25
